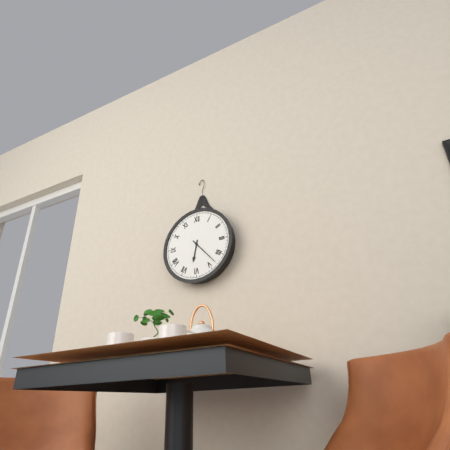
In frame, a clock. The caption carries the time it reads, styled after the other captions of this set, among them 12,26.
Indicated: 6,23
